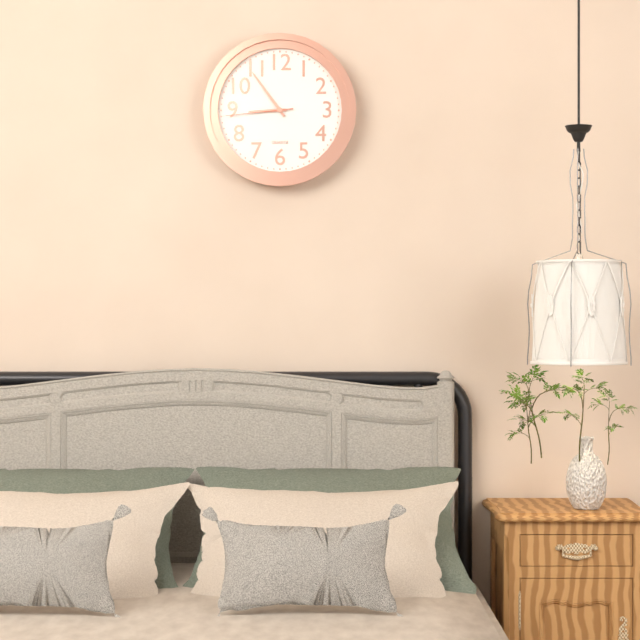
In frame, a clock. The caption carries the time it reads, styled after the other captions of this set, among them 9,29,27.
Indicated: 8,54,44
